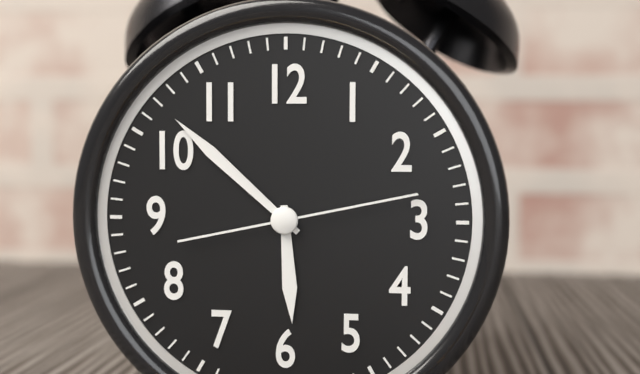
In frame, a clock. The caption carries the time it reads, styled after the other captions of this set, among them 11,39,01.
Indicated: 5,52,13
